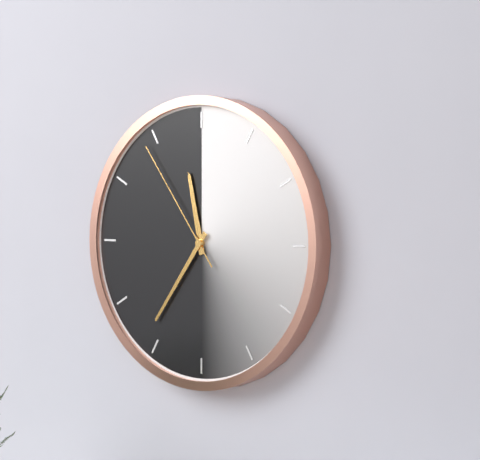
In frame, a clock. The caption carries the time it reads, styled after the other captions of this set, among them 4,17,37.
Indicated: 11,36,54
